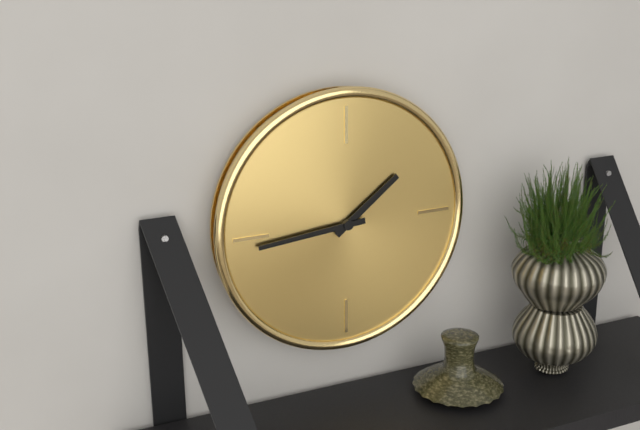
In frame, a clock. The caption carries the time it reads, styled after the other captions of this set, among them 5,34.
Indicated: 1,44
